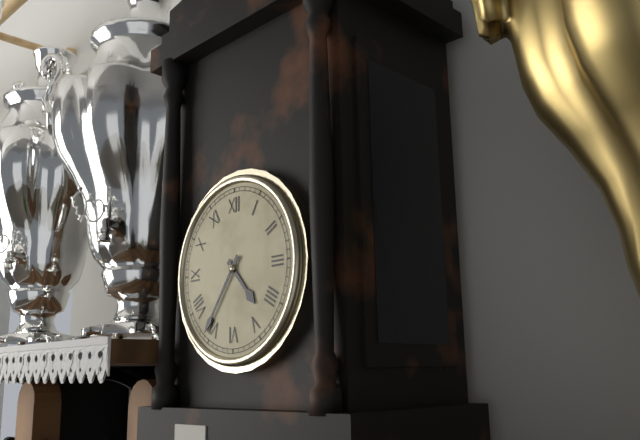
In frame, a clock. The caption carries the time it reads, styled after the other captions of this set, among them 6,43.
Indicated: 4,36
